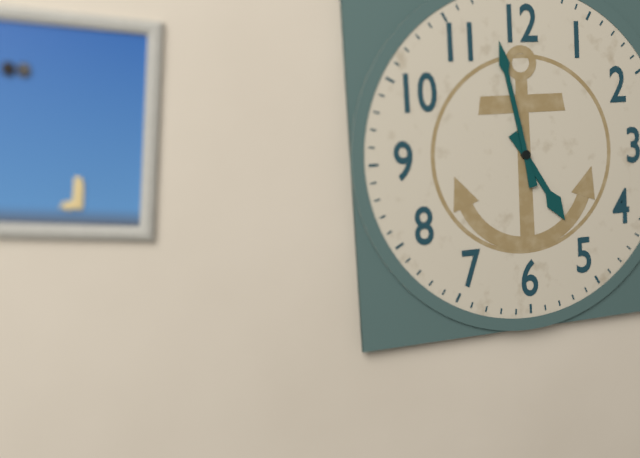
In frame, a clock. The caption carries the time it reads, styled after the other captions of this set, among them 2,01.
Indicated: 4,58
